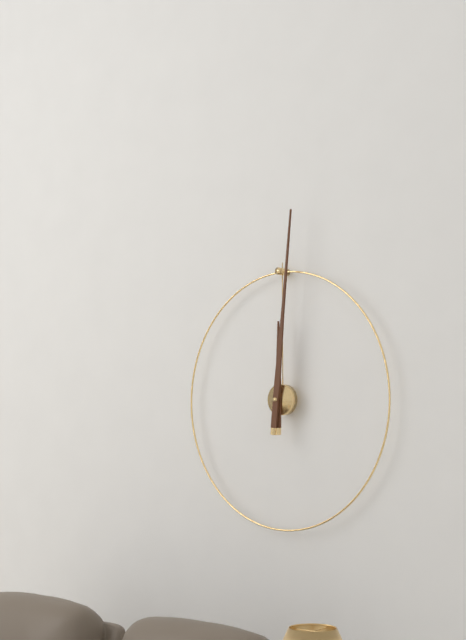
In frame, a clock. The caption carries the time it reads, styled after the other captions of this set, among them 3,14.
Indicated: 12,01
